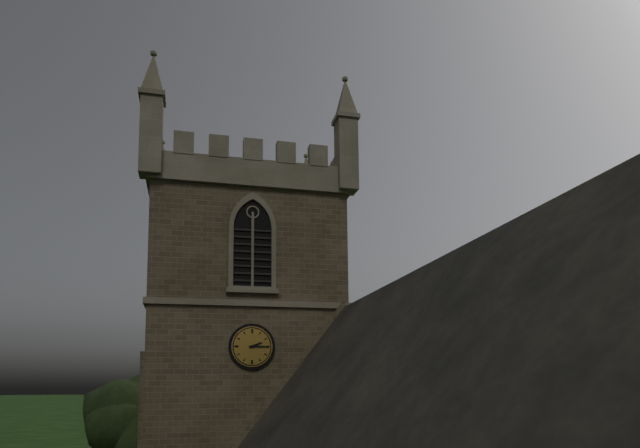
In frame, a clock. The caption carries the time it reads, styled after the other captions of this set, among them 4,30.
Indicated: 2,15
